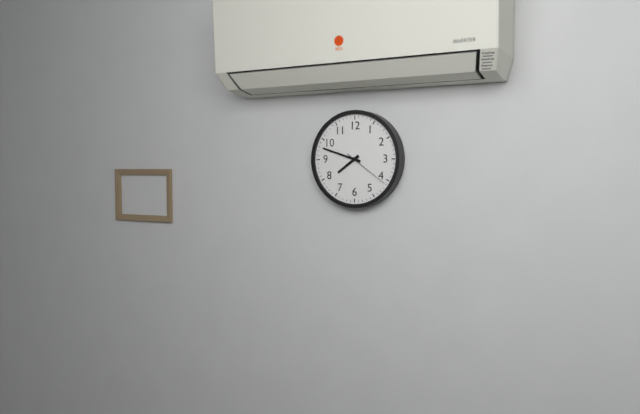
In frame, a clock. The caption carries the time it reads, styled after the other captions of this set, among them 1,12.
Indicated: 7,48
